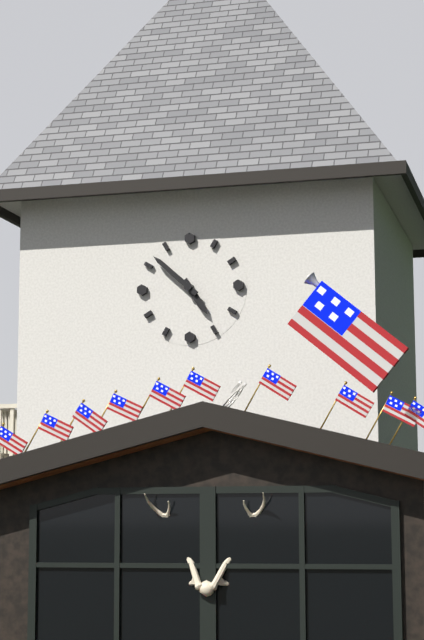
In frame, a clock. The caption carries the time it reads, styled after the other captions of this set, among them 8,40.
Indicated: 4,52
